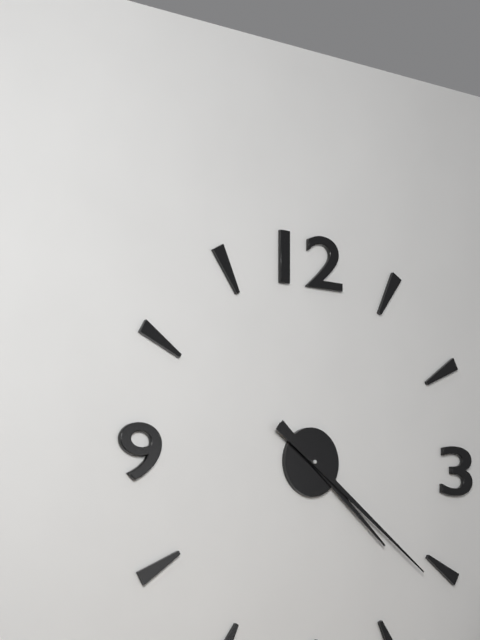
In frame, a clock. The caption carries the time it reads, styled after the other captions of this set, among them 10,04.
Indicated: 4,21
